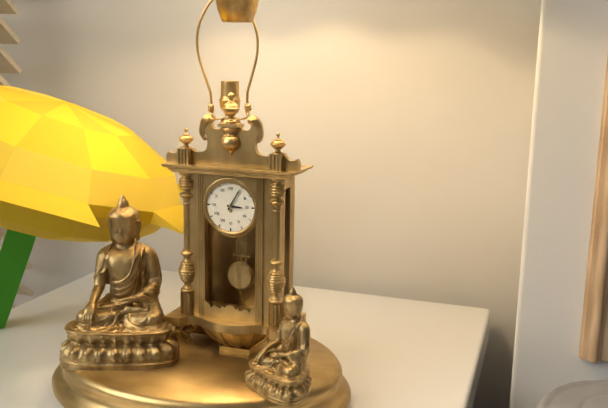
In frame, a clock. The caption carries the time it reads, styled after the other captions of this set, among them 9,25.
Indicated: 3,05
